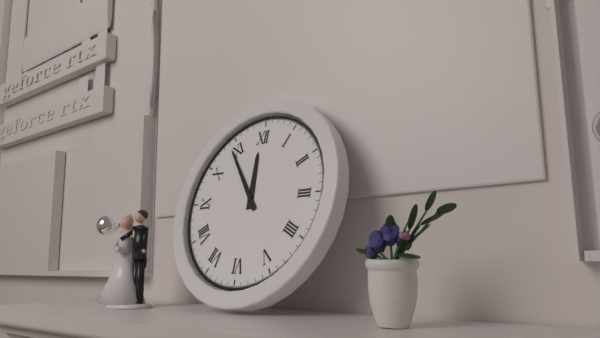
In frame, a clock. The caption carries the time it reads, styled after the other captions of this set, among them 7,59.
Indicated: 11,54
